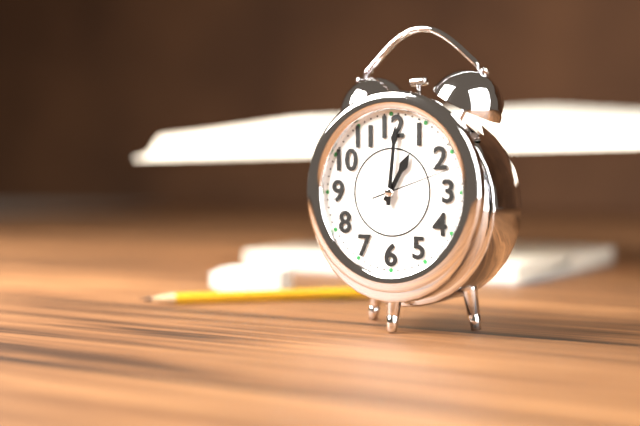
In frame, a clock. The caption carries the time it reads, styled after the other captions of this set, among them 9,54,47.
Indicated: 1,01,12
